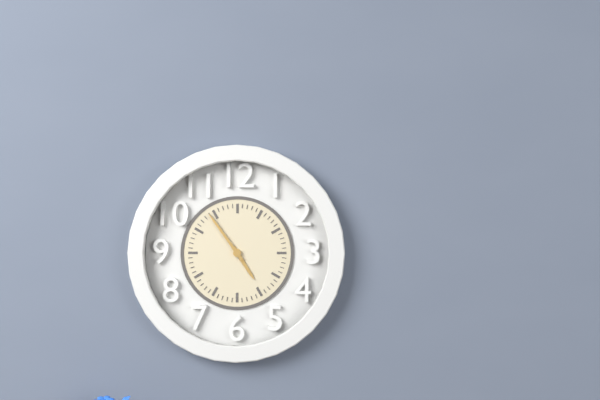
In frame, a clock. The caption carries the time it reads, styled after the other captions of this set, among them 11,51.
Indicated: 4,54
